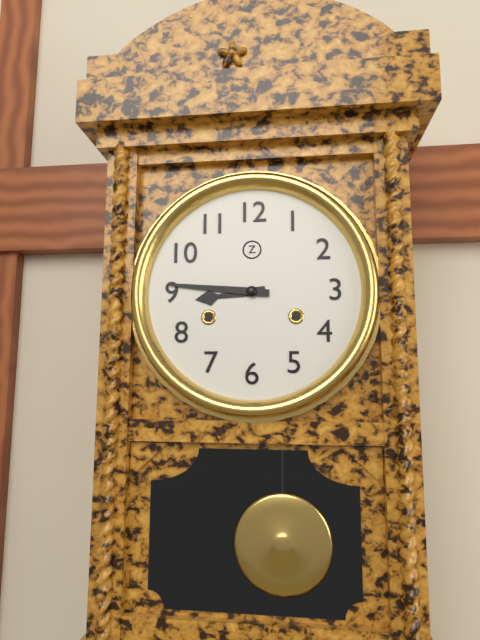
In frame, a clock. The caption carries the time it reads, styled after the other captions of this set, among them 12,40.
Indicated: 8,46
